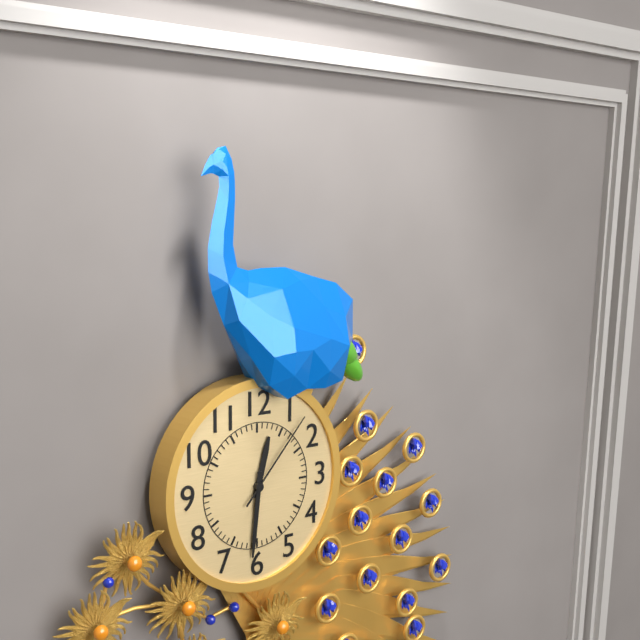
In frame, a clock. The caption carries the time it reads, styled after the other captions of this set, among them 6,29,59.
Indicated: 12,31,07
